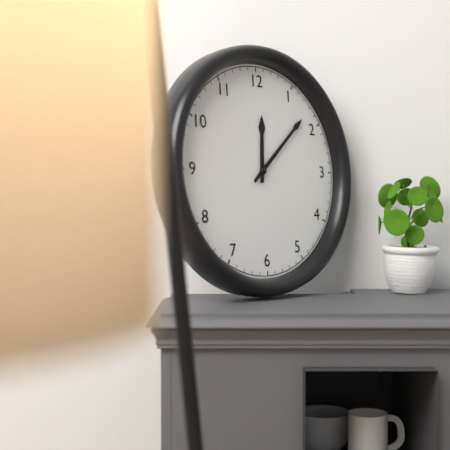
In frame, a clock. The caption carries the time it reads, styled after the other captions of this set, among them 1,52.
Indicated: 12,08
